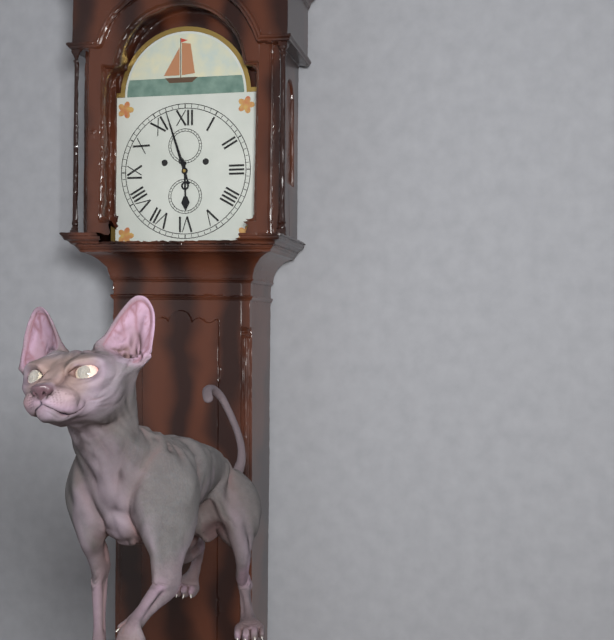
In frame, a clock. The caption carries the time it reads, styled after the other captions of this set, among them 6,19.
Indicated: 5,57
